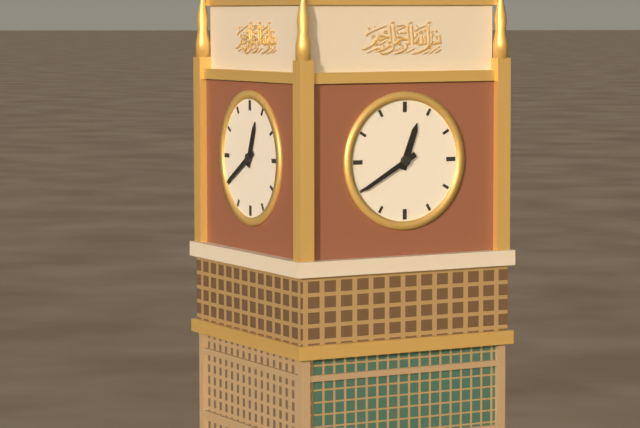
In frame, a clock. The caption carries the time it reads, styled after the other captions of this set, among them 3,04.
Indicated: 12,40
